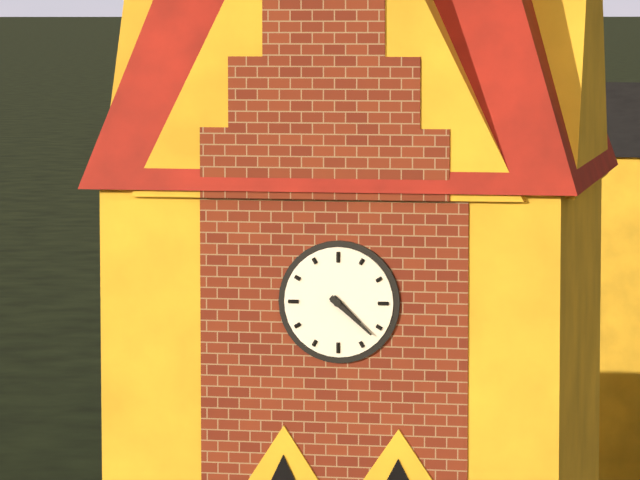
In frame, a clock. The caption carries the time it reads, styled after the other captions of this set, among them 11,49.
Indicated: 4,22
